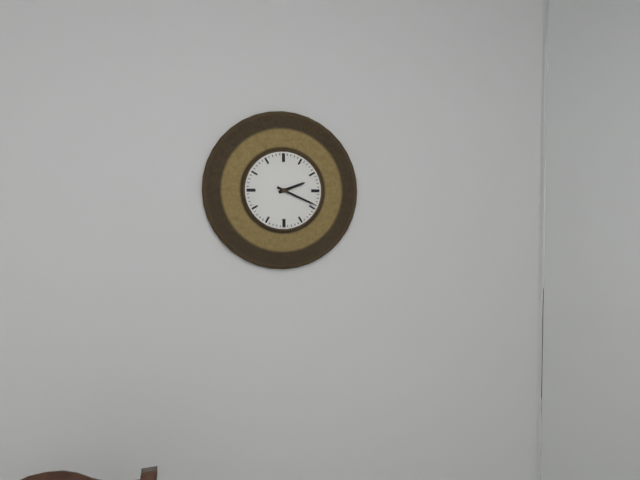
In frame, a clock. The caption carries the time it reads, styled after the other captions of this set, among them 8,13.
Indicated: 2,19
